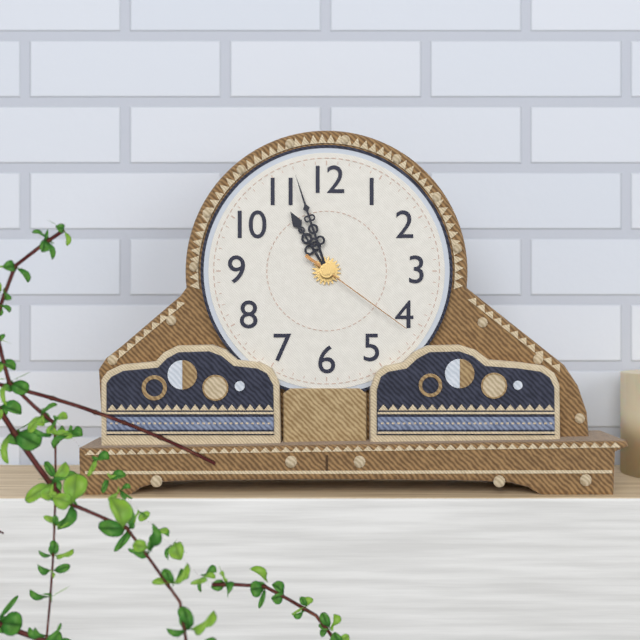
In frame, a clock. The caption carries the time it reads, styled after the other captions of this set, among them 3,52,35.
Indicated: 10,57,21
